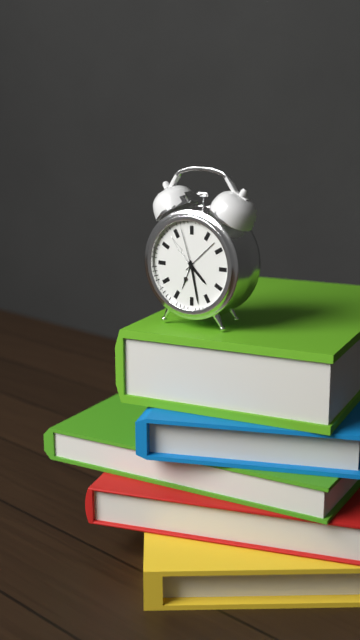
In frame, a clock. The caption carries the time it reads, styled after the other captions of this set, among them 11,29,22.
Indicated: 4,28,57
